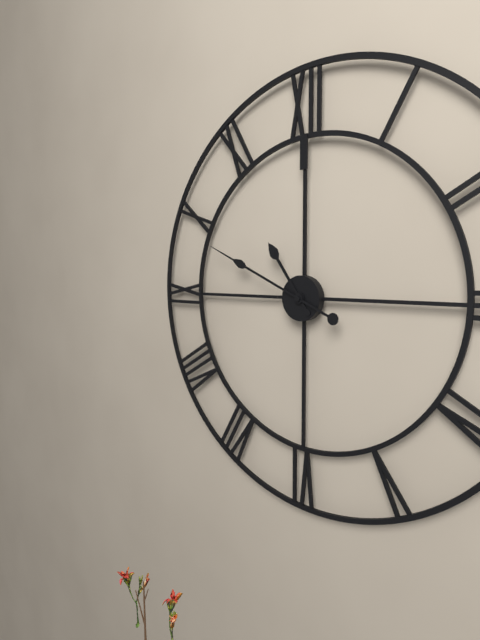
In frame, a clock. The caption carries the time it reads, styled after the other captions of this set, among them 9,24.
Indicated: 10,49
